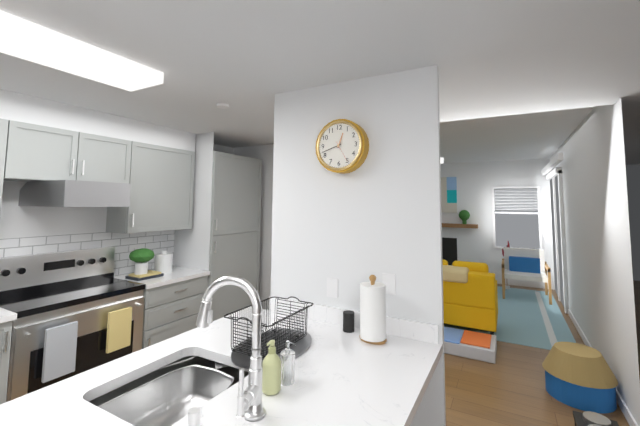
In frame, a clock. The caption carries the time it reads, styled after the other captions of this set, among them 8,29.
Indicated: 12,42
